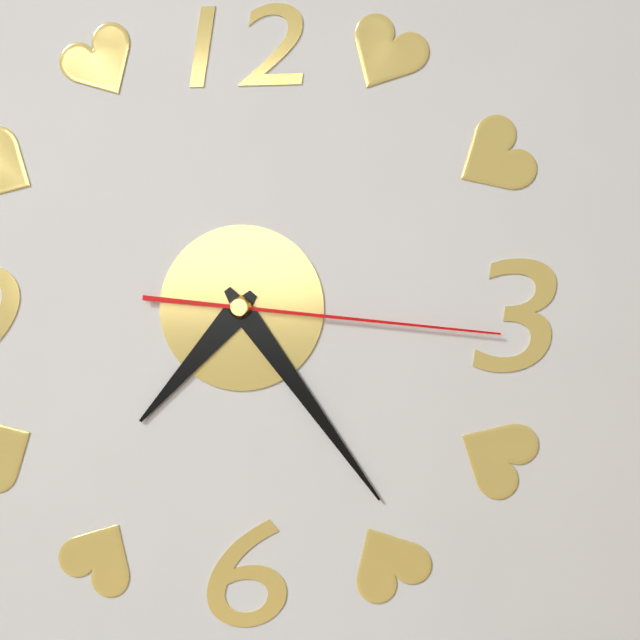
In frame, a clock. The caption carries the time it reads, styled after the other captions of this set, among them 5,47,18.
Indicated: 7,24,16
